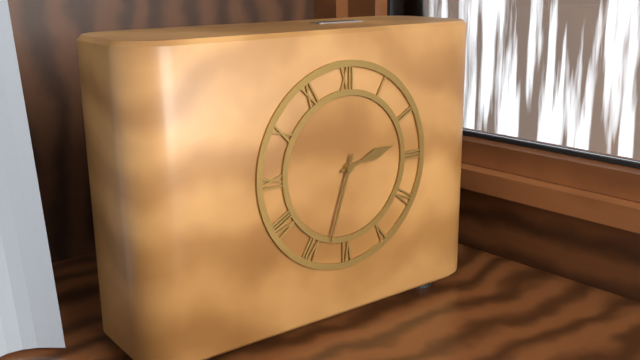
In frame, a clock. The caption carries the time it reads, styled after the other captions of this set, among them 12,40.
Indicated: 2,33
